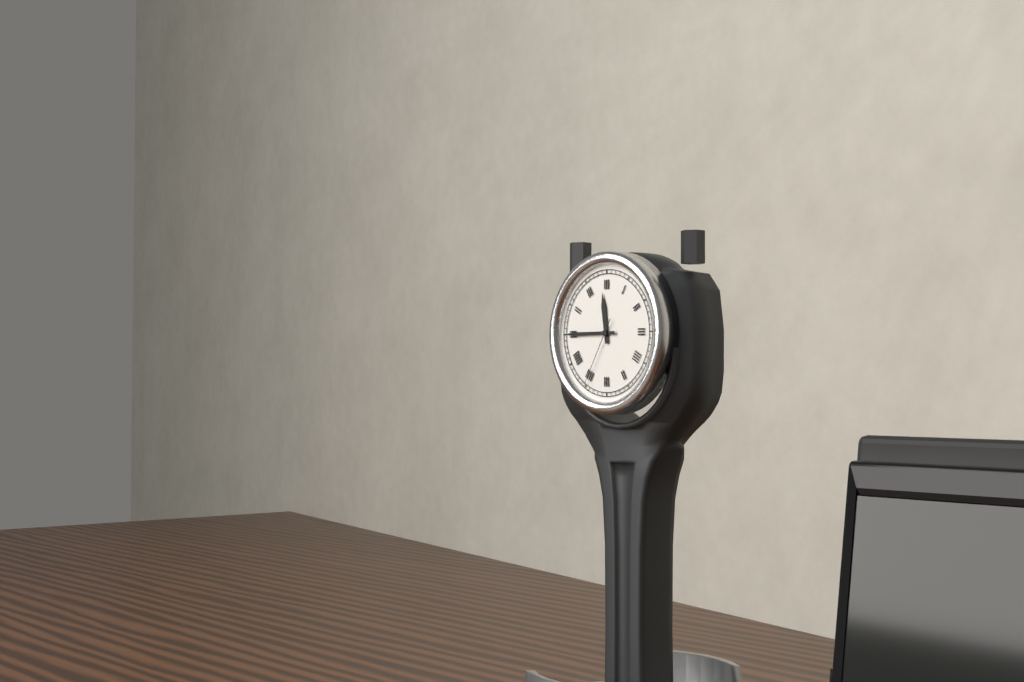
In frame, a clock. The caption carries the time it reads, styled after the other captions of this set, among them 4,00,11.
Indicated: 11,45,35
